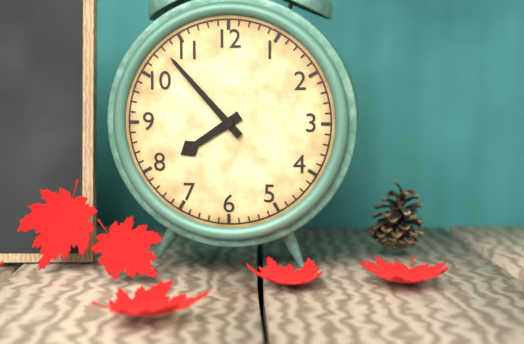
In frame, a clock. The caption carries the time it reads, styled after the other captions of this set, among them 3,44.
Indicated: 7,53
